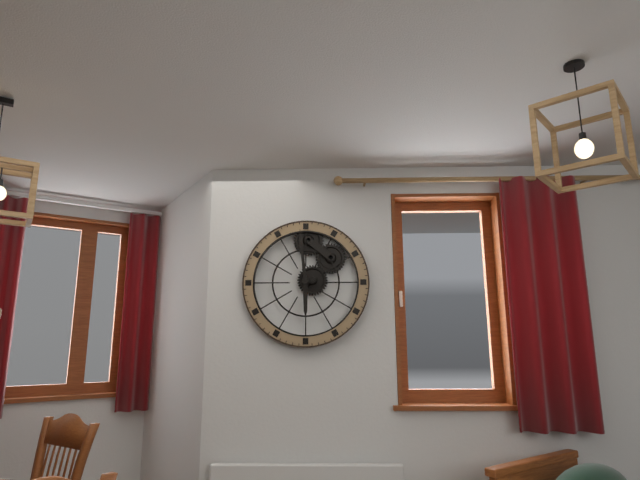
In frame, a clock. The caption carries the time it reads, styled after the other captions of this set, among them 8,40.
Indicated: 5,59
